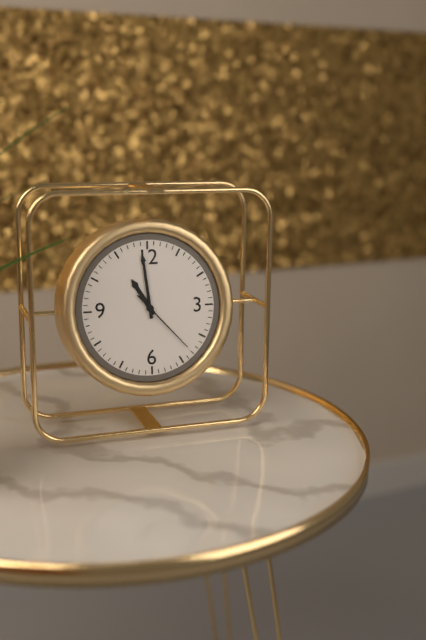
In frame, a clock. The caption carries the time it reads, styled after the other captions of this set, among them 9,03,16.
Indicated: 10,59,23
